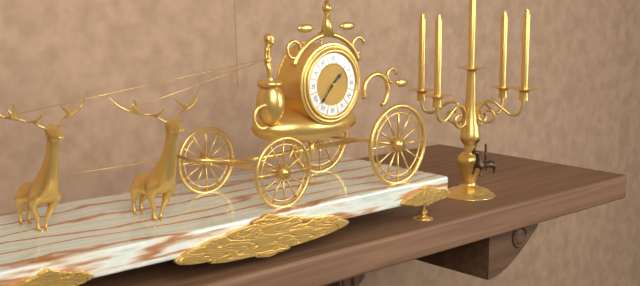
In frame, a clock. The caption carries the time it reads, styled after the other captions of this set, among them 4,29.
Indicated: 1,37
